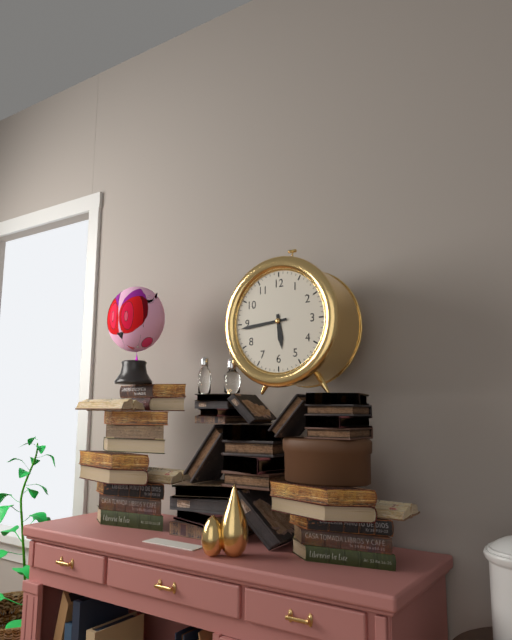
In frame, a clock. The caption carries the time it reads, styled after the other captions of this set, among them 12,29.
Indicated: 5,44
